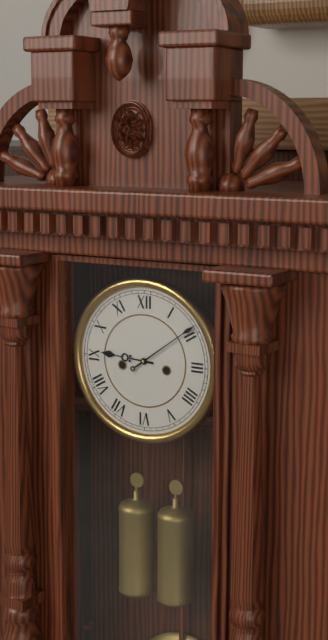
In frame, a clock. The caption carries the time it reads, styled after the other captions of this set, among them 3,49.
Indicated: 9,09
